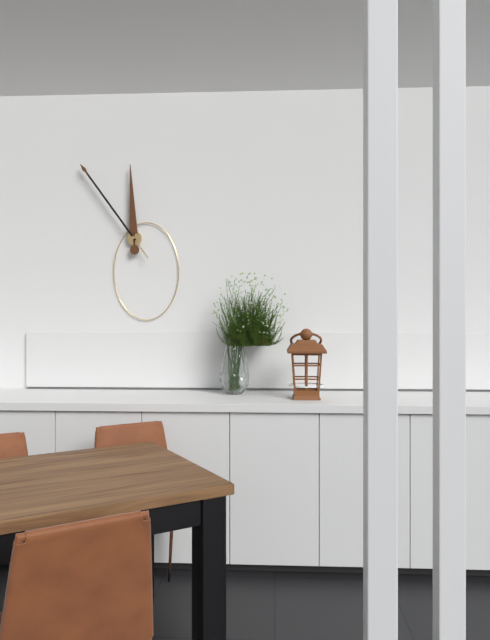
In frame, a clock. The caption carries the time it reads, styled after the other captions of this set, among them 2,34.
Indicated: 11,54
